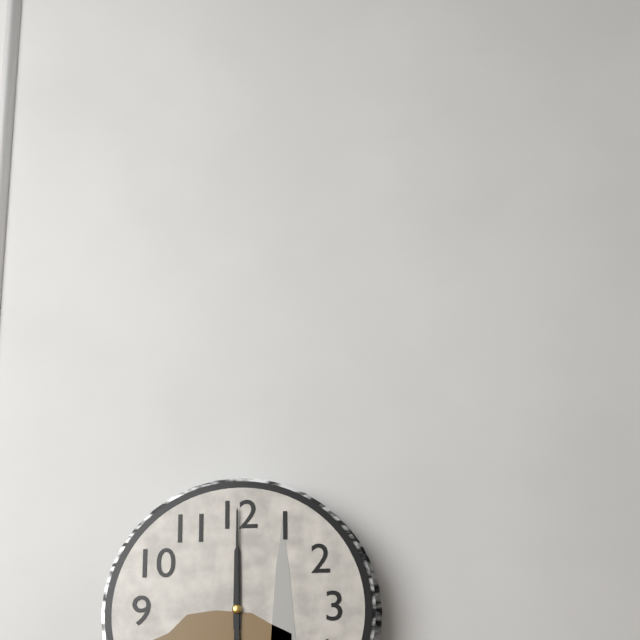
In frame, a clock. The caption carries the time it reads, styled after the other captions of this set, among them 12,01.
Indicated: 12,00
